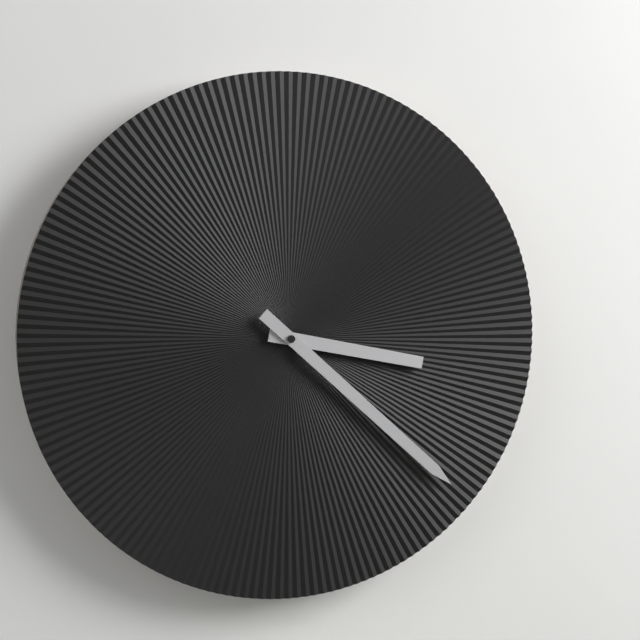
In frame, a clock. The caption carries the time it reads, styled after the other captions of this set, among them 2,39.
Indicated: 3,22
